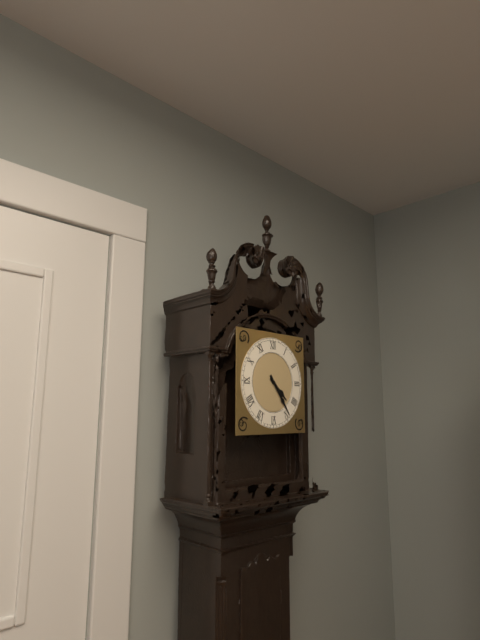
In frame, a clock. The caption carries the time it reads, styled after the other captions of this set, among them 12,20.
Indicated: 4,24
